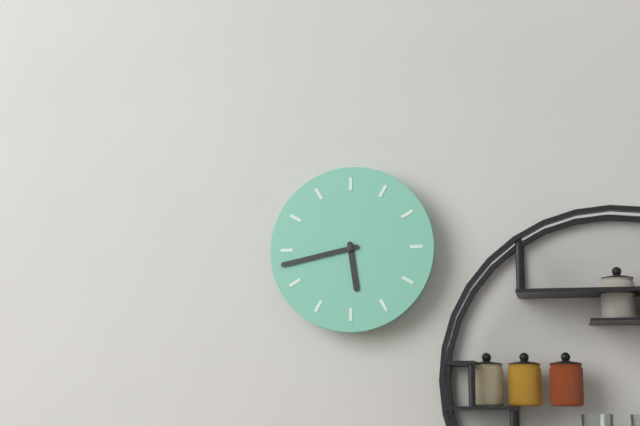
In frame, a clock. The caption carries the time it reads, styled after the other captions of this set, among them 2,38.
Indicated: 5,43
